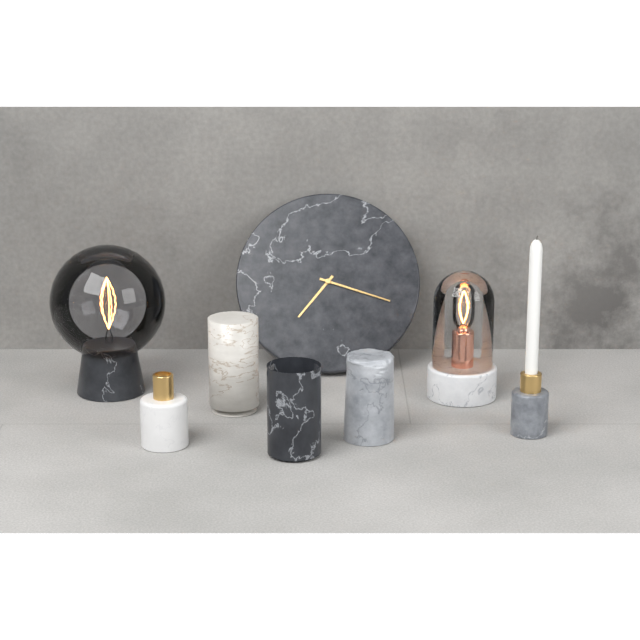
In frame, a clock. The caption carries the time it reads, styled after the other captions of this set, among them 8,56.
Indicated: 7,18
